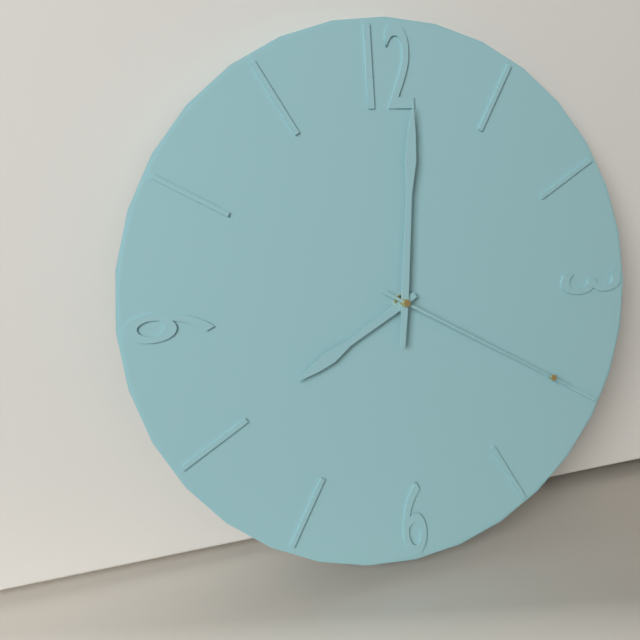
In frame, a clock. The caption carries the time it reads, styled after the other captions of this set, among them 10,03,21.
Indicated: 8,01,20
